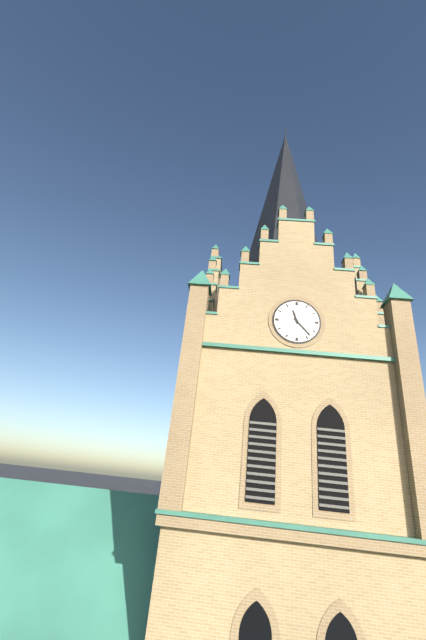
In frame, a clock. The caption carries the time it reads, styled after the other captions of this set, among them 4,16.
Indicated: 11,23
